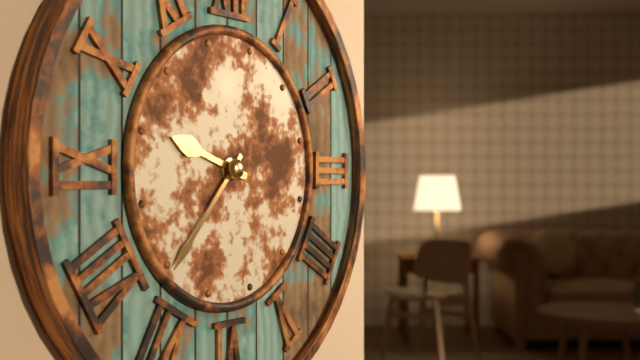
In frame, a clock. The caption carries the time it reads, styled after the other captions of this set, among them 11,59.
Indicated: 9,37
